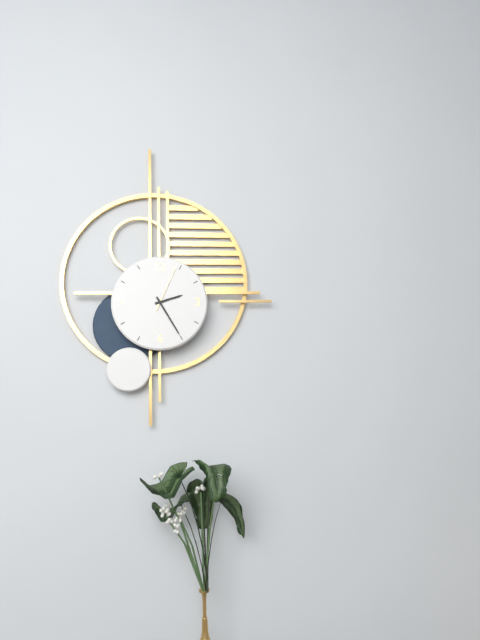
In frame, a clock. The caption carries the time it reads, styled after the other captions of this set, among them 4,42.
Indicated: 2,25
